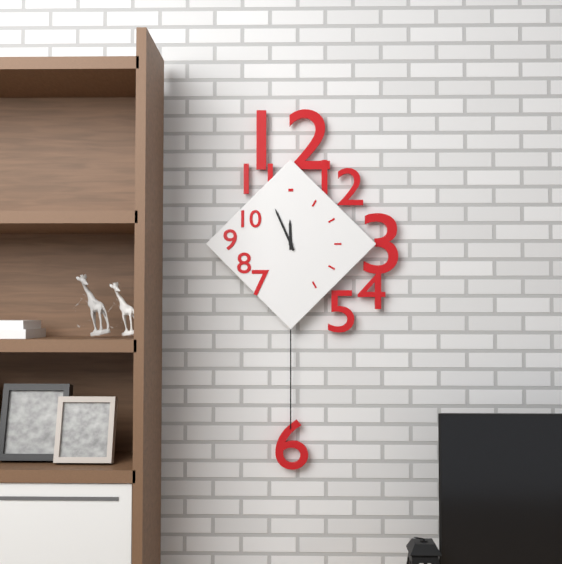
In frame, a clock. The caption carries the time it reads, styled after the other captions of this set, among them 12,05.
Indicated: 11,56
